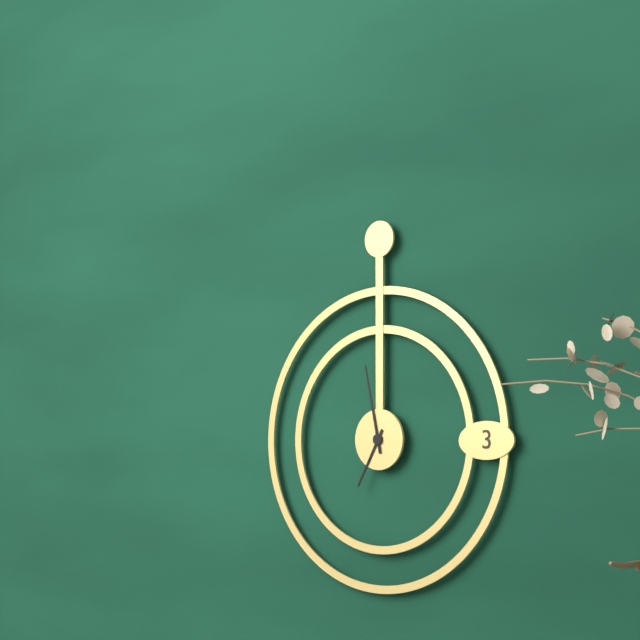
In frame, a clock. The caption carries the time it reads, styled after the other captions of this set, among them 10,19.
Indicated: 6,58
